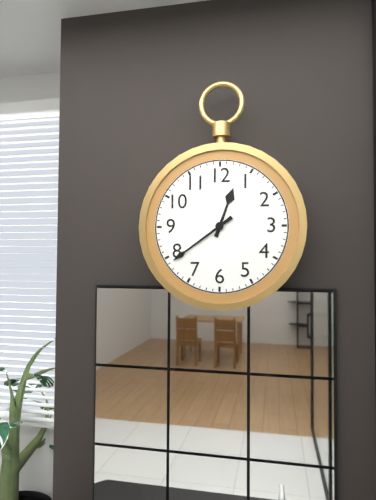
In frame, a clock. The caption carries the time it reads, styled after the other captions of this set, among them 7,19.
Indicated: 12,39
